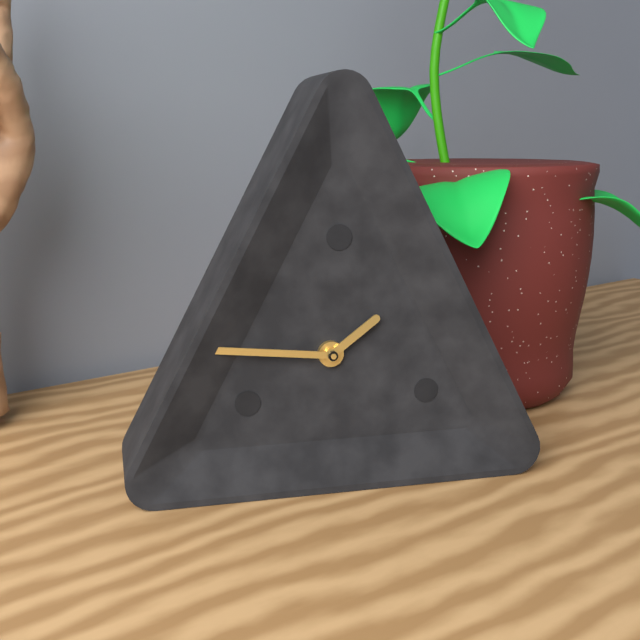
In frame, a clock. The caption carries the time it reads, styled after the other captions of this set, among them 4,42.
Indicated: 1,46
